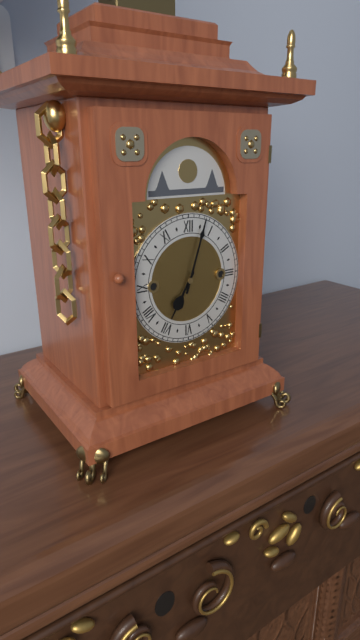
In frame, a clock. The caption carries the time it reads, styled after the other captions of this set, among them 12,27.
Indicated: 7,03
